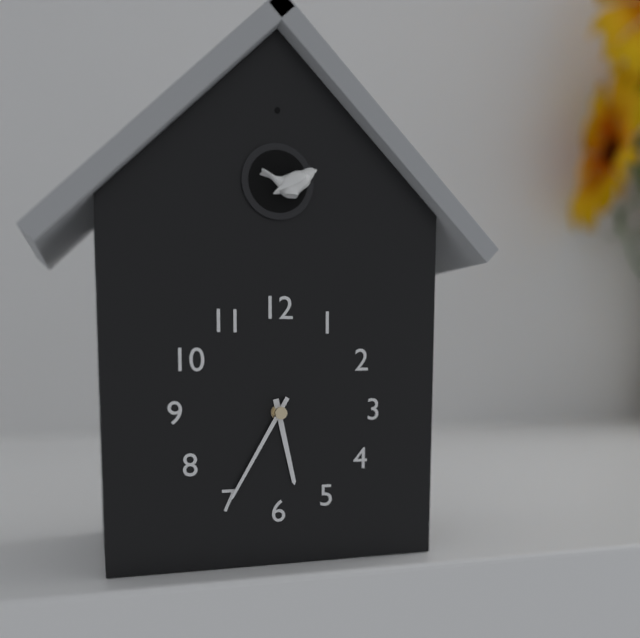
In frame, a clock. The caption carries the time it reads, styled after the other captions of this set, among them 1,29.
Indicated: 5,35
